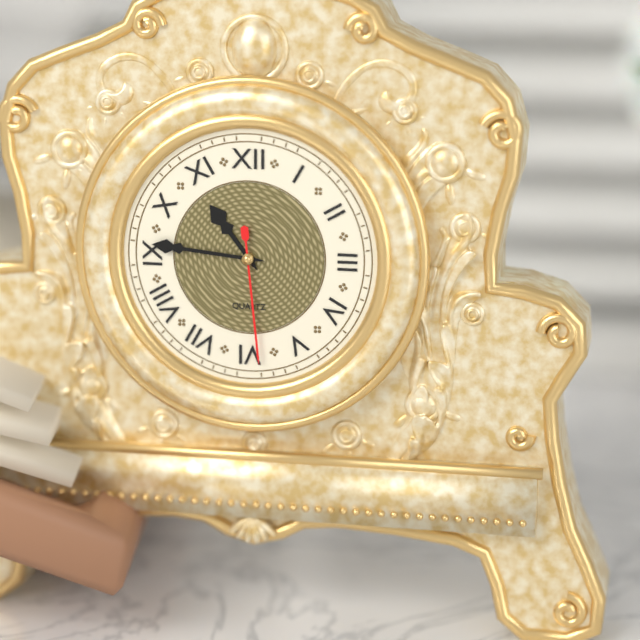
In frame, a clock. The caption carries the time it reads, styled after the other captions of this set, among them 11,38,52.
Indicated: 10,46,29
